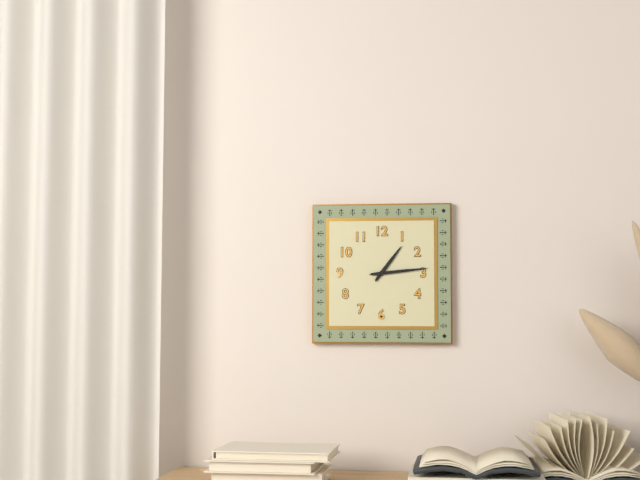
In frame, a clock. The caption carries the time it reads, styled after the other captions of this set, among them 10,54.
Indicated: 1,14
